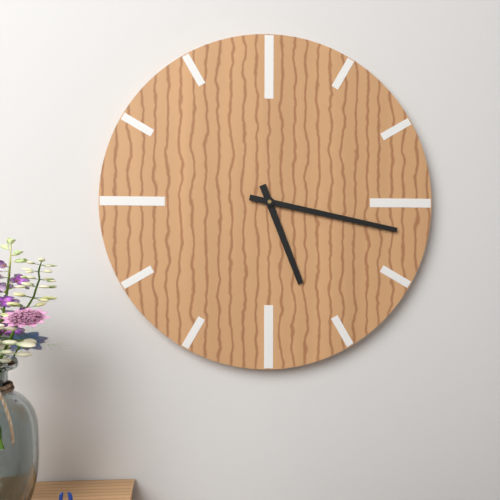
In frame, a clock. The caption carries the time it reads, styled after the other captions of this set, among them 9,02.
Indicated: 5,17
